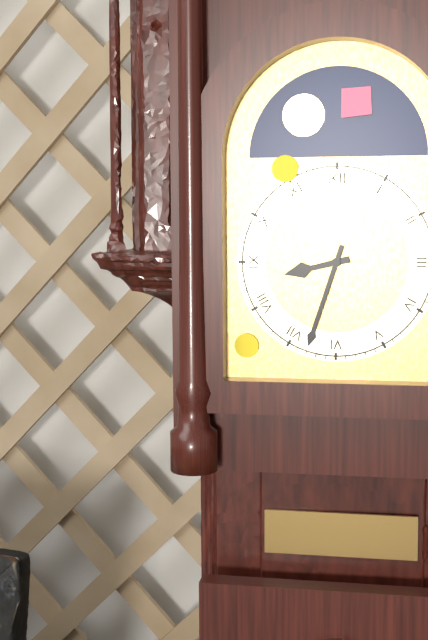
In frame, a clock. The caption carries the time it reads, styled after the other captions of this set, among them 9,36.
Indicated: 8,33
